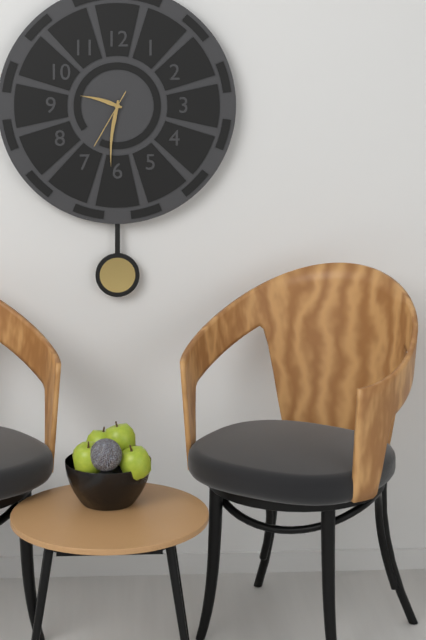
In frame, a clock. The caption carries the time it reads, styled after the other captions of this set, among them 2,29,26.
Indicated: 9,31,35
